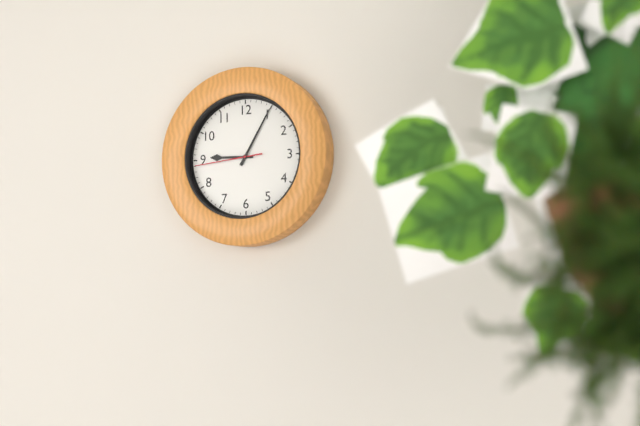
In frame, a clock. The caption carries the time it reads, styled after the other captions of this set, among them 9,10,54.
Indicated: 9,05,44
